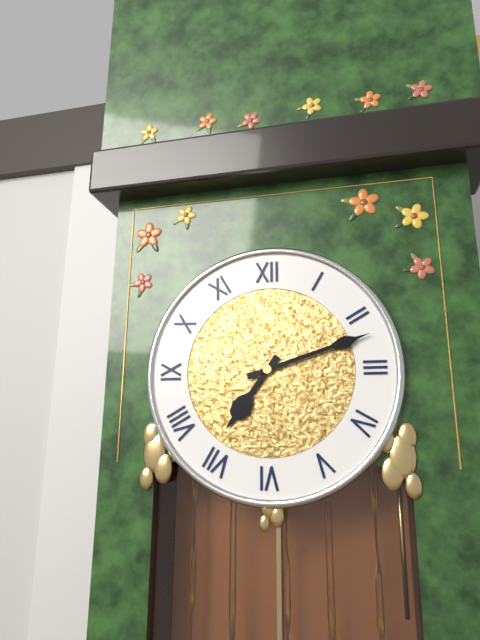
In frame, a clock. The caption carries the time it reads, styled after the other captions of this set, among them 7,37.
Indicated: 7,12
